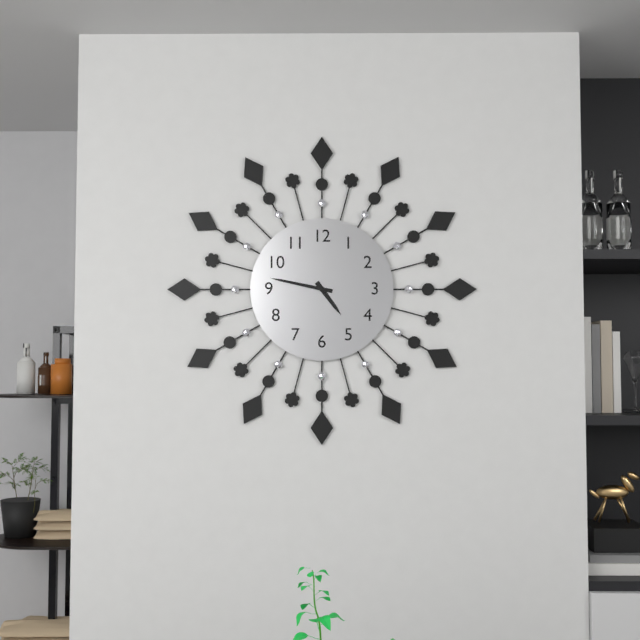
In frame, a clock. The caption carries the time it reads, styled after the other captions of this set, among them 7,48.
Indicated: 4,47
